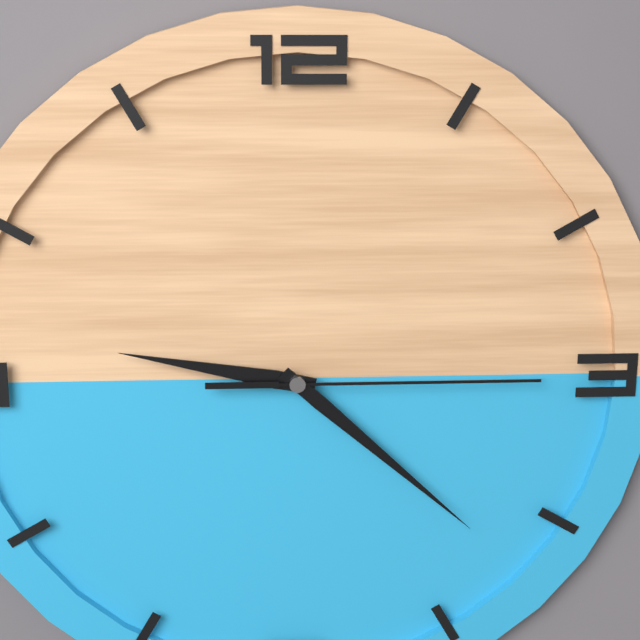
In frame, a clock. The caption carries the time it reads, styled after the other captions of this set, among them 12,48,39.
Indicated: 9,22,15
